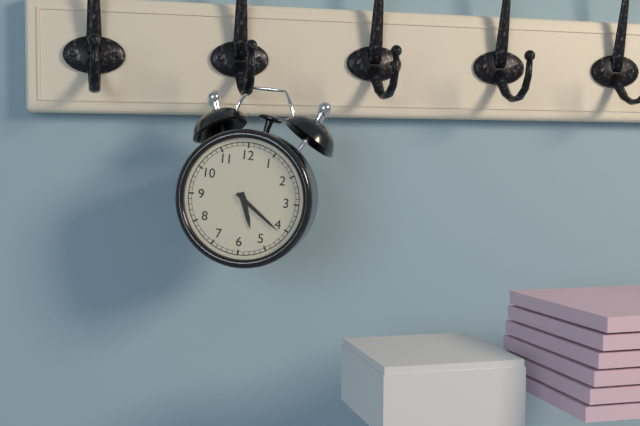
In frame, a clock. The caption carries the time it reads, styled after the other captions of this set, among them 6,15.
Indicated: 5,21
